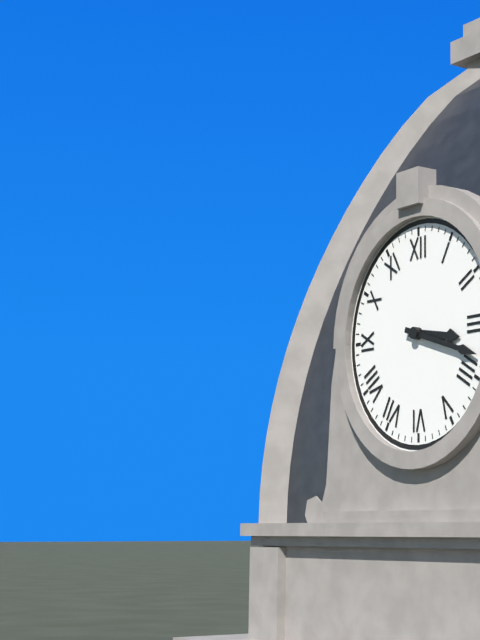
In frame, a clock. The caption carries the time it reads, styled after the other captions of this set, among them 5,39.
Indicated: 3,18
